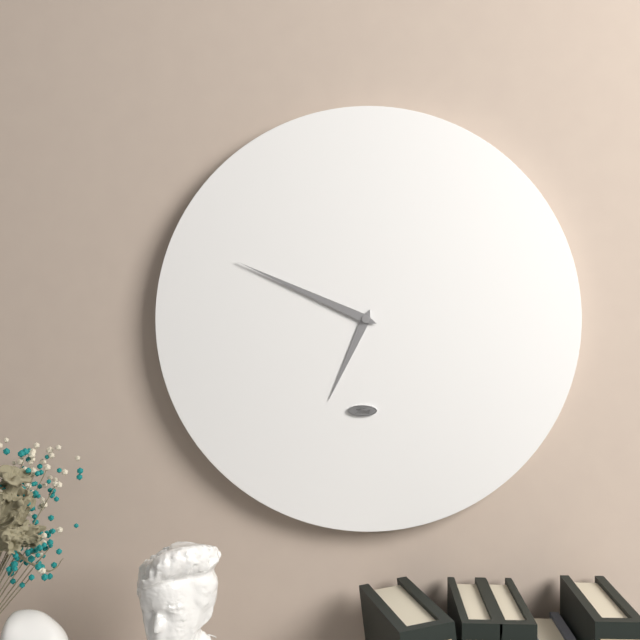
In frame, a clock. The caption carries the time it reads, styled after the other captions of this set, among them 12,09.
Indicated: 6,49
